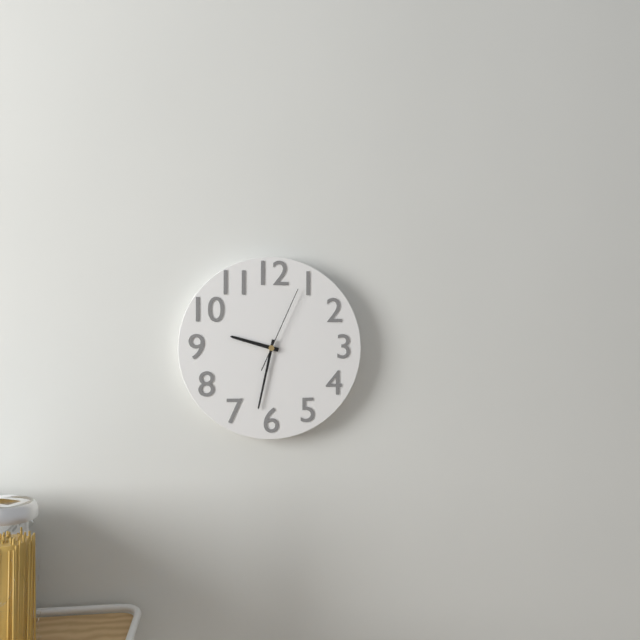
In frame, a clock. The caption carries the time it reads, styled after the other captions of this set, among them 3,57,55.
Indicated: 9,32,04
